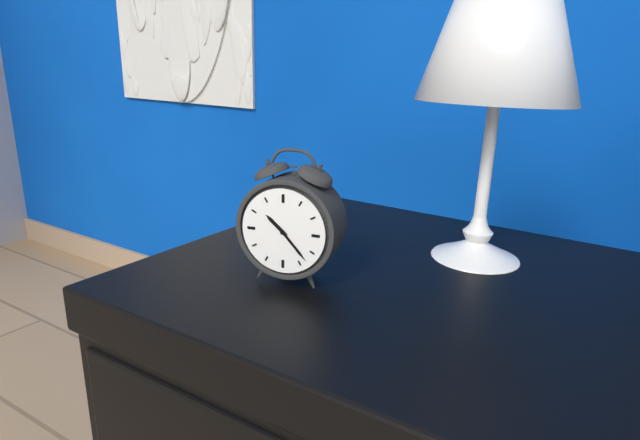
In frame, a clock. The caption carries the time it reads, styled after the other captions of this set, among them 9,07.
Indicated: 10,23
